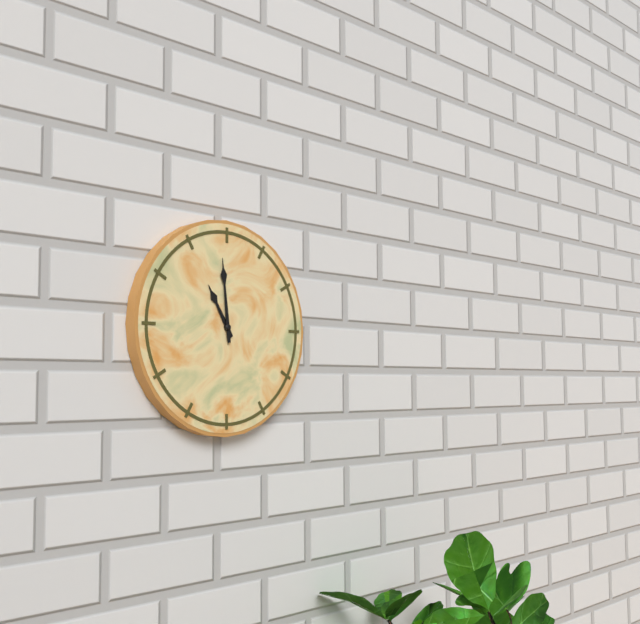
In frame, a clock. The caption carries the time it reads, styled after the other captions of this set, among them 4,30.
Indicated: 10,59
